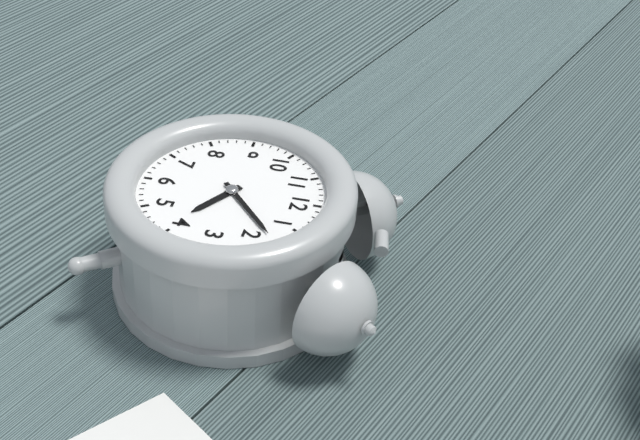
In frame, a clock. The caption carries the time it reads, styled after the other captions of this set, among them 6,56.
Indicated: 4,08
